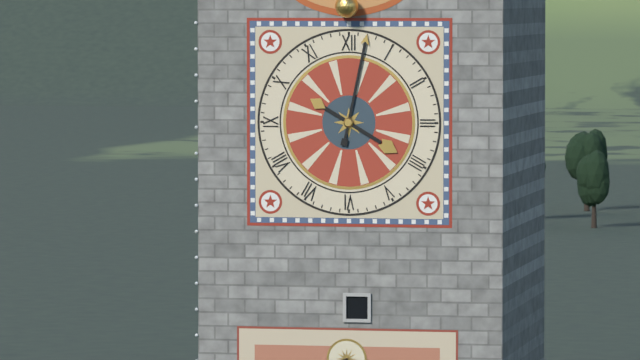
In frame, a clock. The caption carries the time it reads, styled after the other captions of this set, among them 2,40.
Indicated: 4,02
